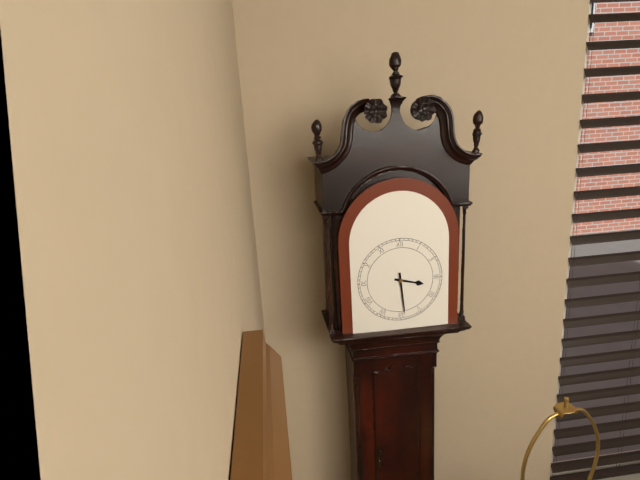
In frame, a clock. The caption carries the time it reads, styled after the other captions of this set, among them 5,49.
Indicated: 3,29
